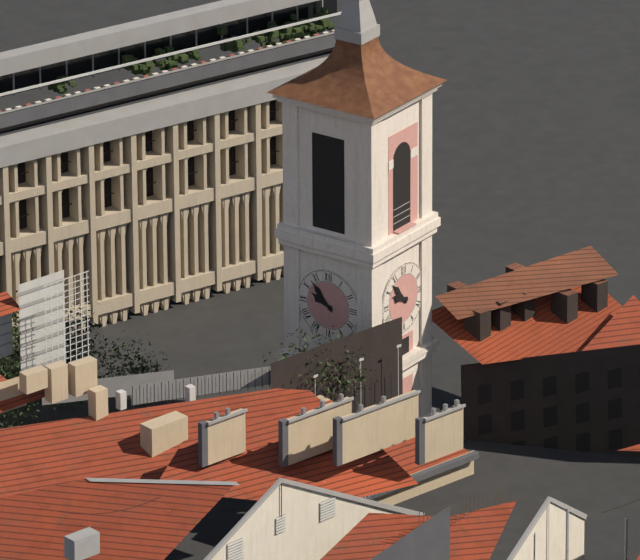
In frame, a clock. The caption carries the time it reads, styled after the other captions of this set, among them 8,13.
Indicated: 9,53
